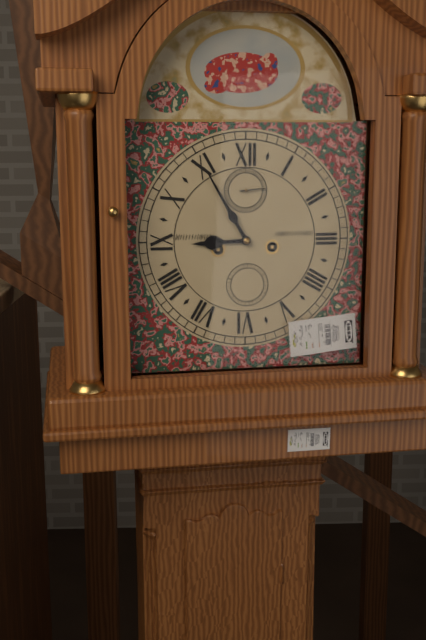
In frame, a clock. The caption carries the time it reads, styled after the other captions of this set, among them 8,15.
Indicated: 8,55
